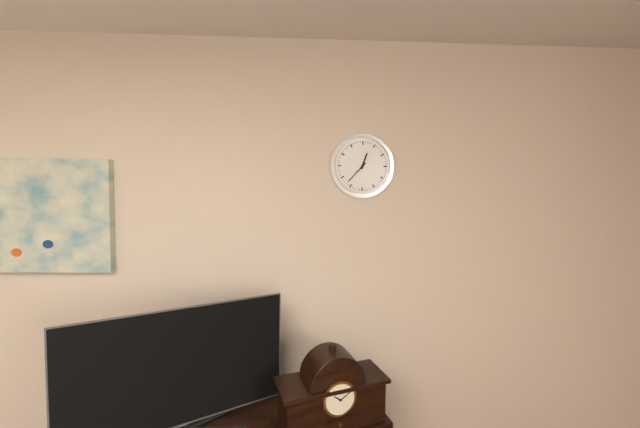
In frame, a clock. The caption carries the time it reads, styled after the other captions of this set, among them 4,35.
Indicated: 12,37
